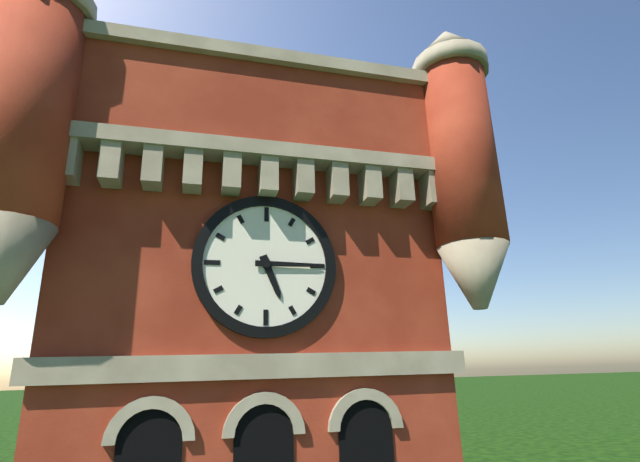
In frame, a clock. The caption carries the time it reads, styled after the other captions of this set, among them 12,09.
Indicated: 5,15
